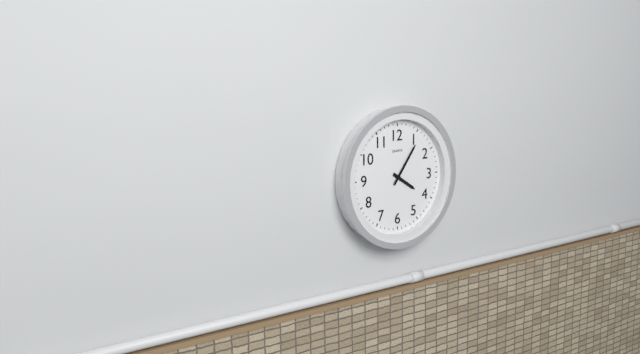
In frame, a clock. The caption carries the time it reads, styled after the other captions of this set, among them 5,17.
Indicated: 4,06
